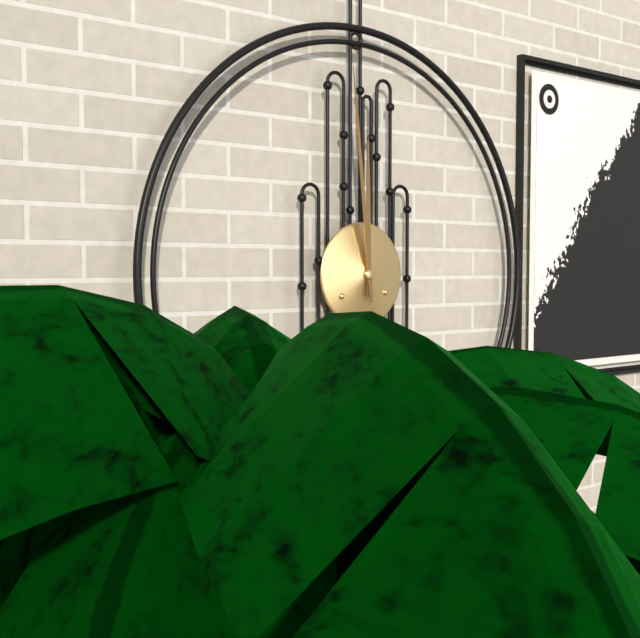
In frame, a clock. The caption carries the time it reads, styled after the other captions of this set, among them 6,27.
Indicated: 11,59
